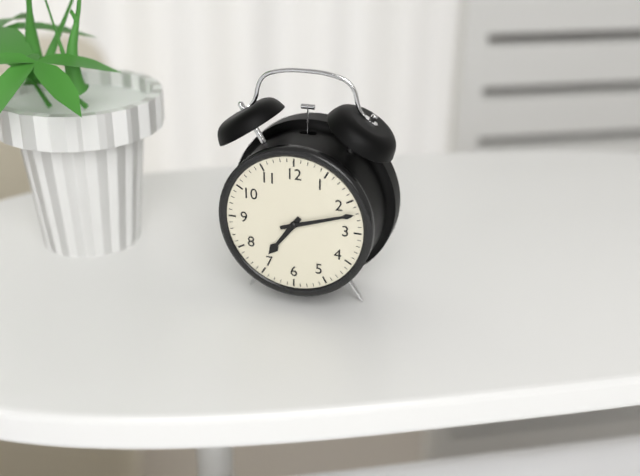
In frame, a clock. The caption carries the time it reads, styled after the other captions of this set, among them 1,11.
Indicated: 7,12
